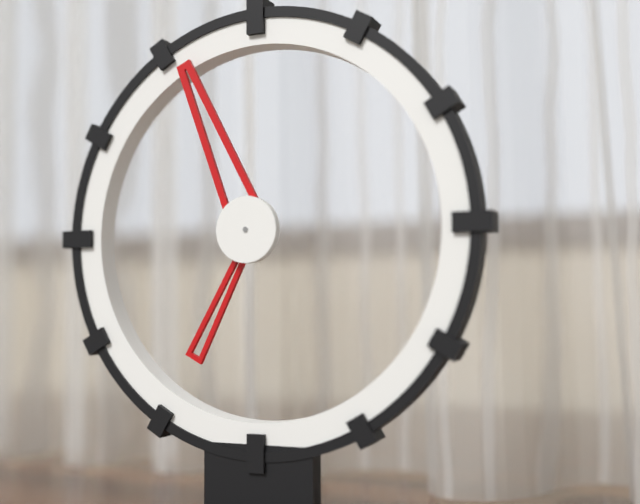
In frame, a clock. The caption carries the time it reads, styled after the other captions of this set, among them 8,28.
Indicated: 6,56
